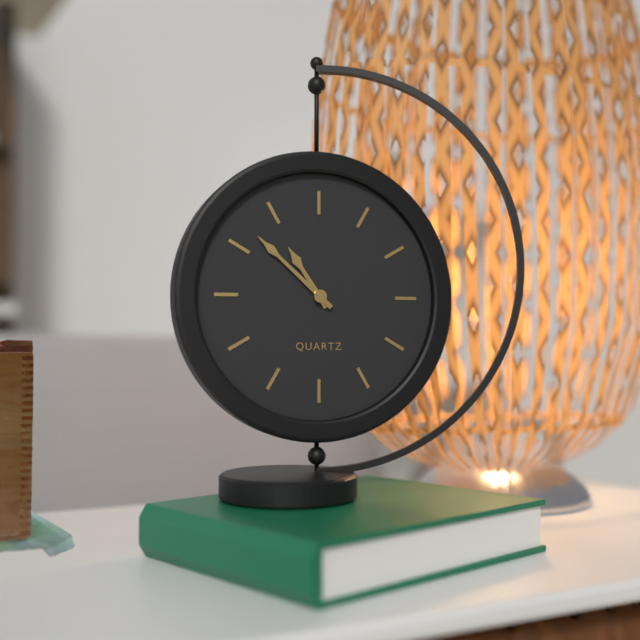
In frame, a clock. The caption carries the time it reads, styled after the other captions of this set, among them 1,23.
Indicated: 10,52
